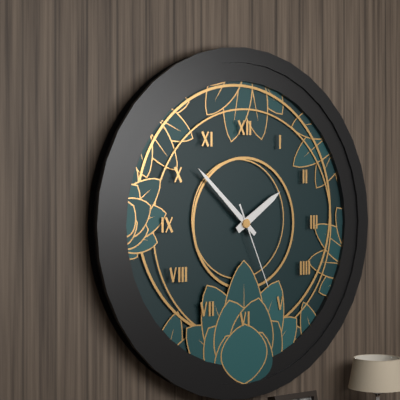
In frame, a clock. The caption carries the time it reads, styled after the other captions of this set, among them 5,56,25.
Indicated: 1,52,26
